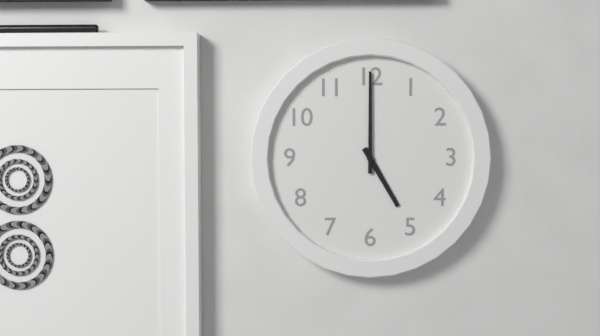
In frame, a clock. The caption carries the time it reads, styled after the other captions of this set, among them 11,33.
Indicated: 5,00
